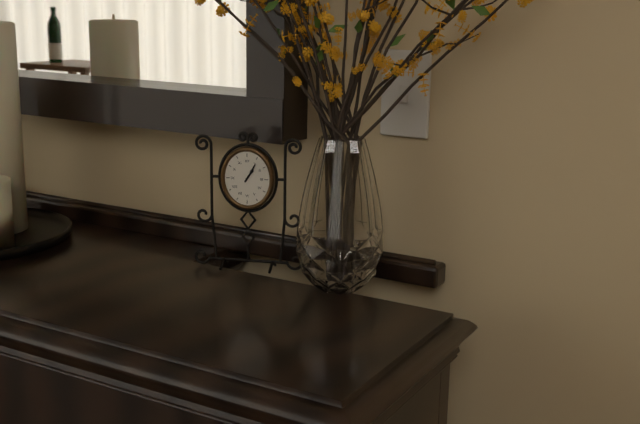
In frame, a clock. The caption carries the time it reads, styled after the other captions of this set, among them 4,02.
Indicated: 1,05
